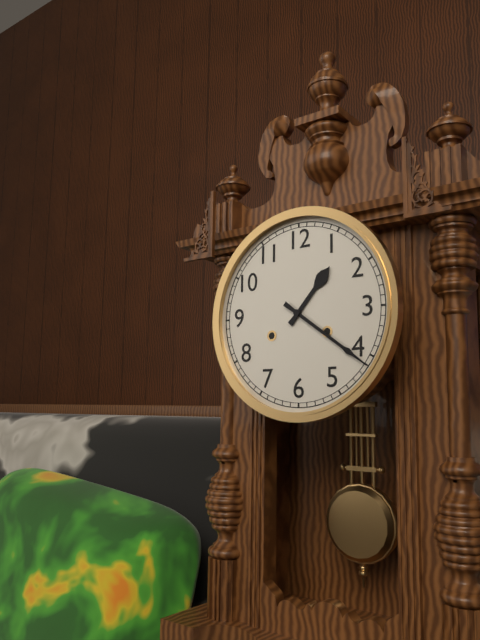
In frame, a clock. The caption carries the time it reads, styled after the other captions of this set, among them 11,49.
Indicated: 1,21
